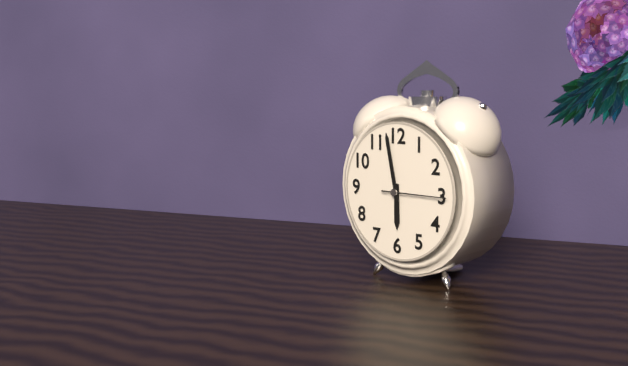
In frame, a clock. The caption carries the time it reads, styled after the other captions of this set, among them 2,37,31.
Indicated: 5,58,15
